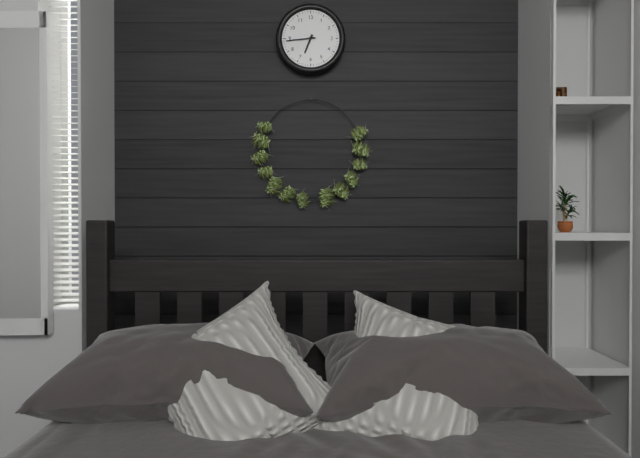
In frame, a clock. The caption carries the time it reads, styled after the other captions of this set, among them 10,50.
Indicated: 6,44
